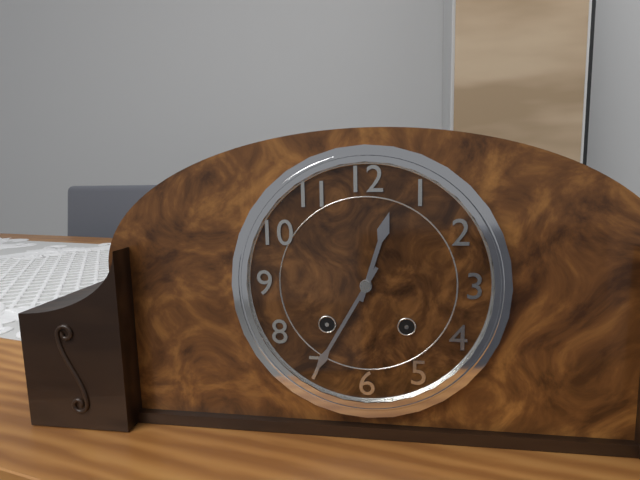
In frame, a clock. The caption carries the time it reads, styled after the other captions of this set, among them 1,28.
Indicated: 12,35
